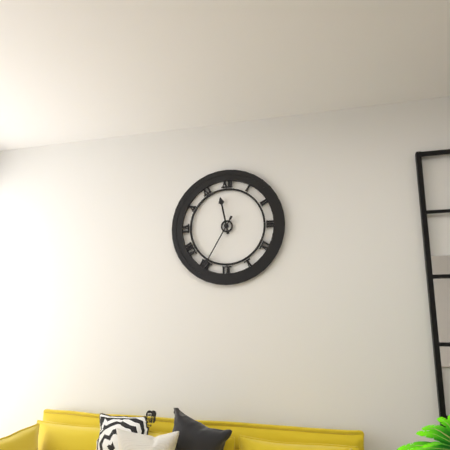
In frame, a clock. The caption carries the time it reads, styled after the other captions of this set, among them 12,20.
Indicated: 11,35
